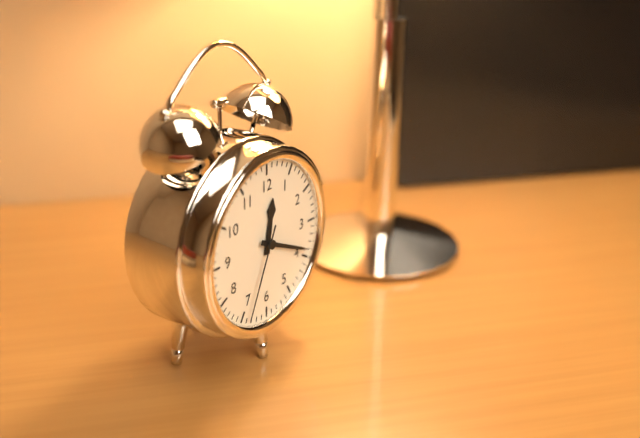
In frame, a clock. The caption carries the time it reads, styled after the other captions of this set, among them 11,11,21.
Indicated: 12,19,34
